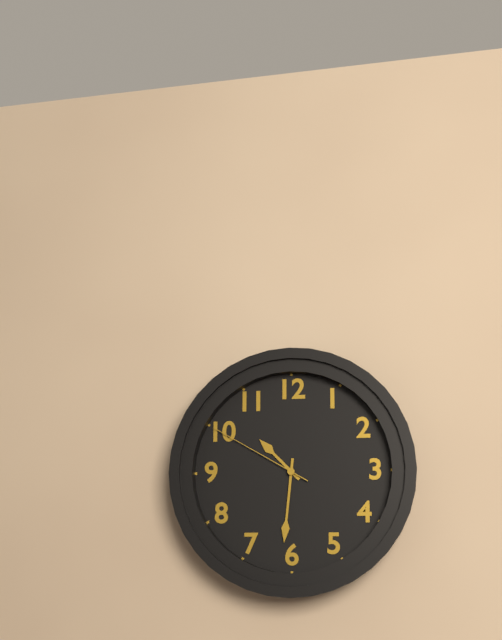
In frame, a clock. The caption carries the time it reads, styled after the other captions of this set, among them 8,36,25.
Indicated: 10,31,50
